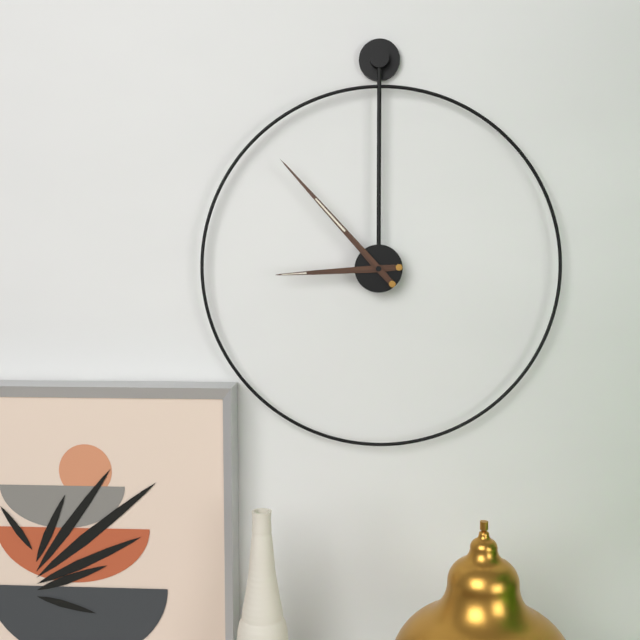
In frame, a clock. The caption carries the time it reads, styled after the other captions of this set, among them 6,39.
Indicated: 8,53
